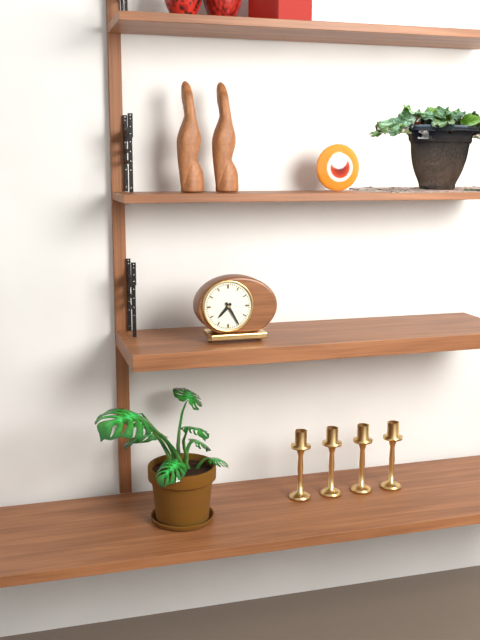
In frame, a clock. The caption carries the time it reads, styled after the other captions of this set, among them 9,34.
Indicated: 7,25
